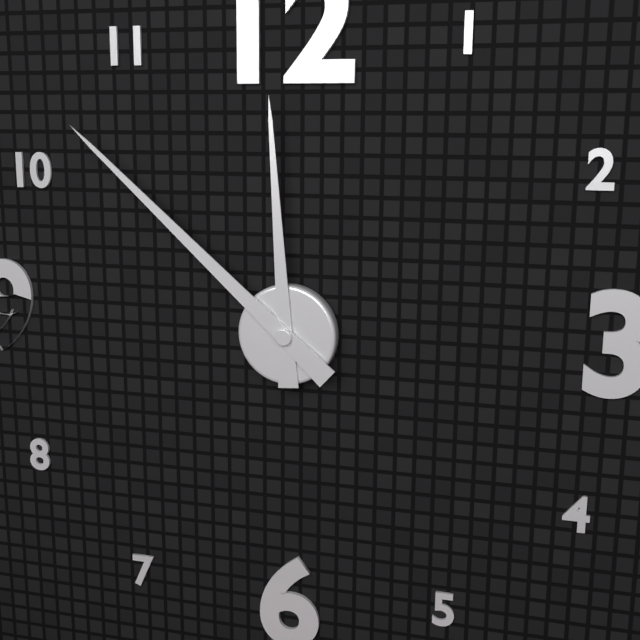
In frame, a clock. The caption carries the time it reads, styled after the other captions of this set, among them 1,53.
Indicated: 11,52
